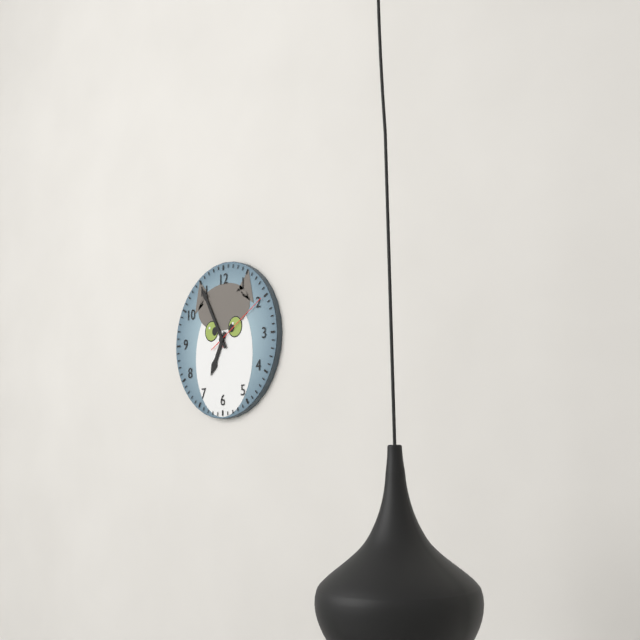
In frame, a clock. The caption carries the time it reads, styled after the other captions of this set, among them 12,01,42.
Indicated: 6,55,10
